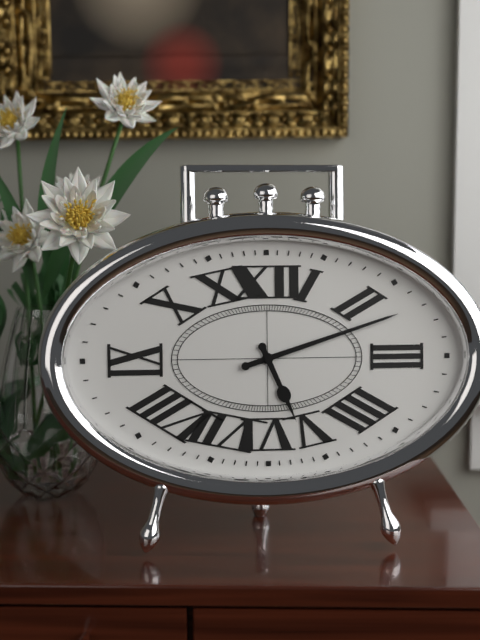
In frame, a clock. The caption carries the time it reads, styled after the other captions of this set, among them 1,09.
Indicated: 5,12
